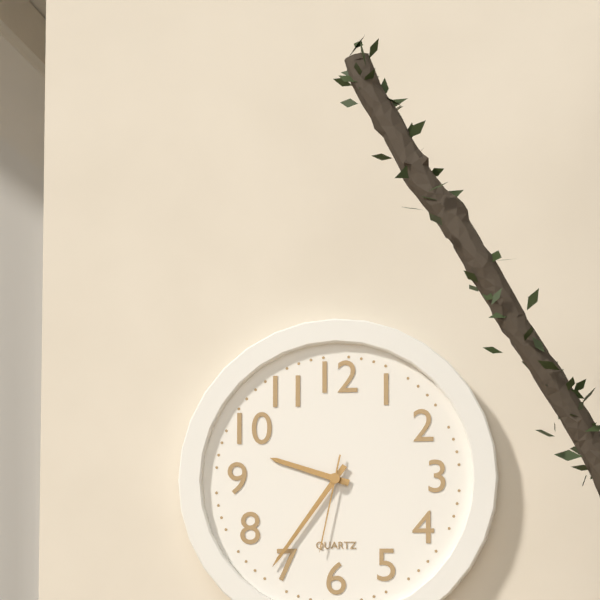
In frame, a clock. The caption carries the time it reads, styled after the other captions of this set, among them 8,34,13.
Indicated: 9,36,32
